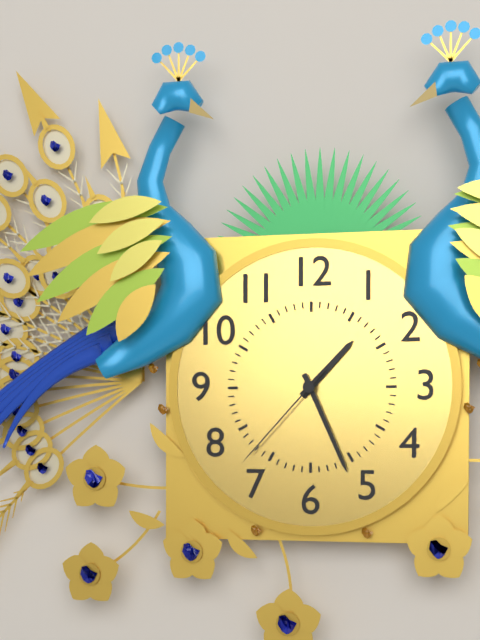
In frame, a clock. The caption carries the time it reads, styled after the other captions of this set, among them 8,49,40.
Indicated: 1,26,37
